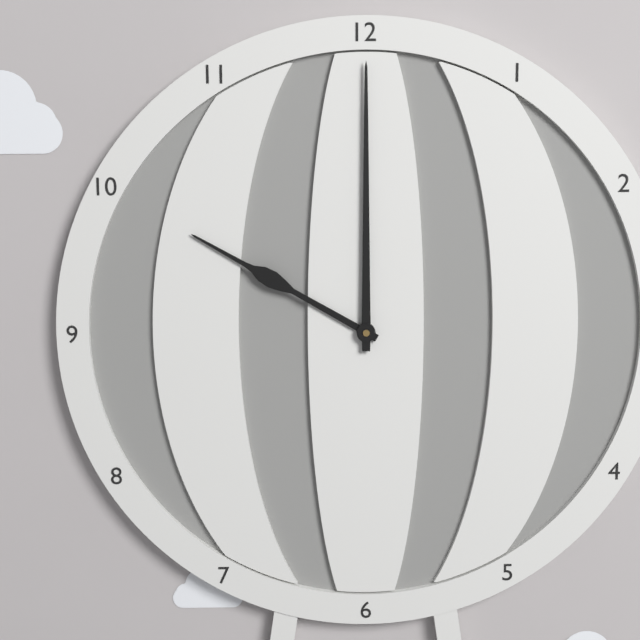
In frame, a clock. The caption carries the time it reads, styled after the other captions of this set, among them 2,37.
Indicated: 10,00
